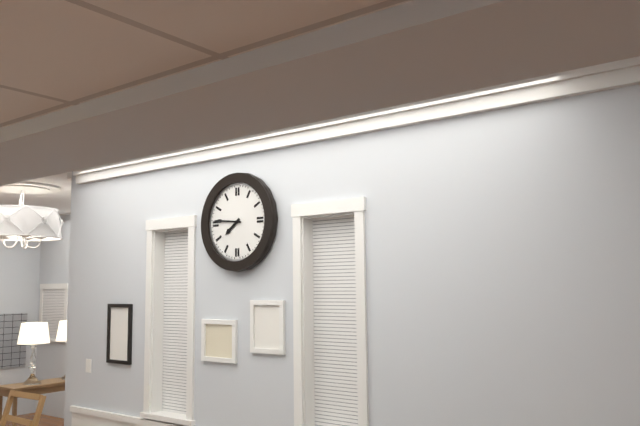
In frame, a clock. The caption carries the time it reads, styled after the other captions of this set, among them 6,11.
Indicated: 7,46
